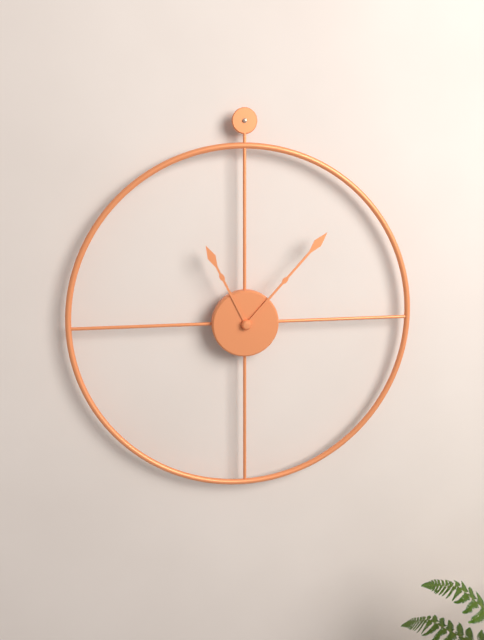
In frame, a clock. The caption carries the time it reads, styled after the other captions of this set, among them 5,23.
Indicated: 11,07
